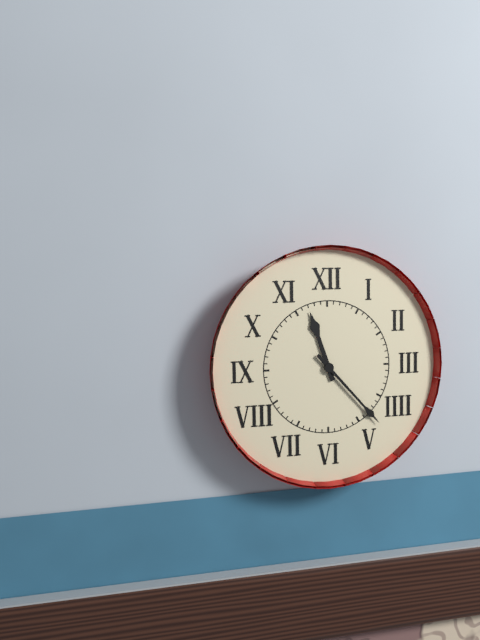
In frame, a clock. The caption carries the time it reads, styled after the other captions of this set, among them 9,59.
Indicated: 11,23
